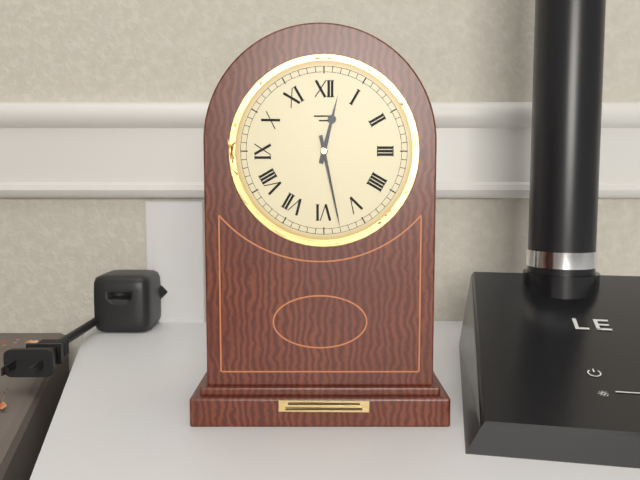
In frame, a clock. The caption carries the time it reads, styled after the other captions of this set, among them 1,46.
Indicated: 12,28
